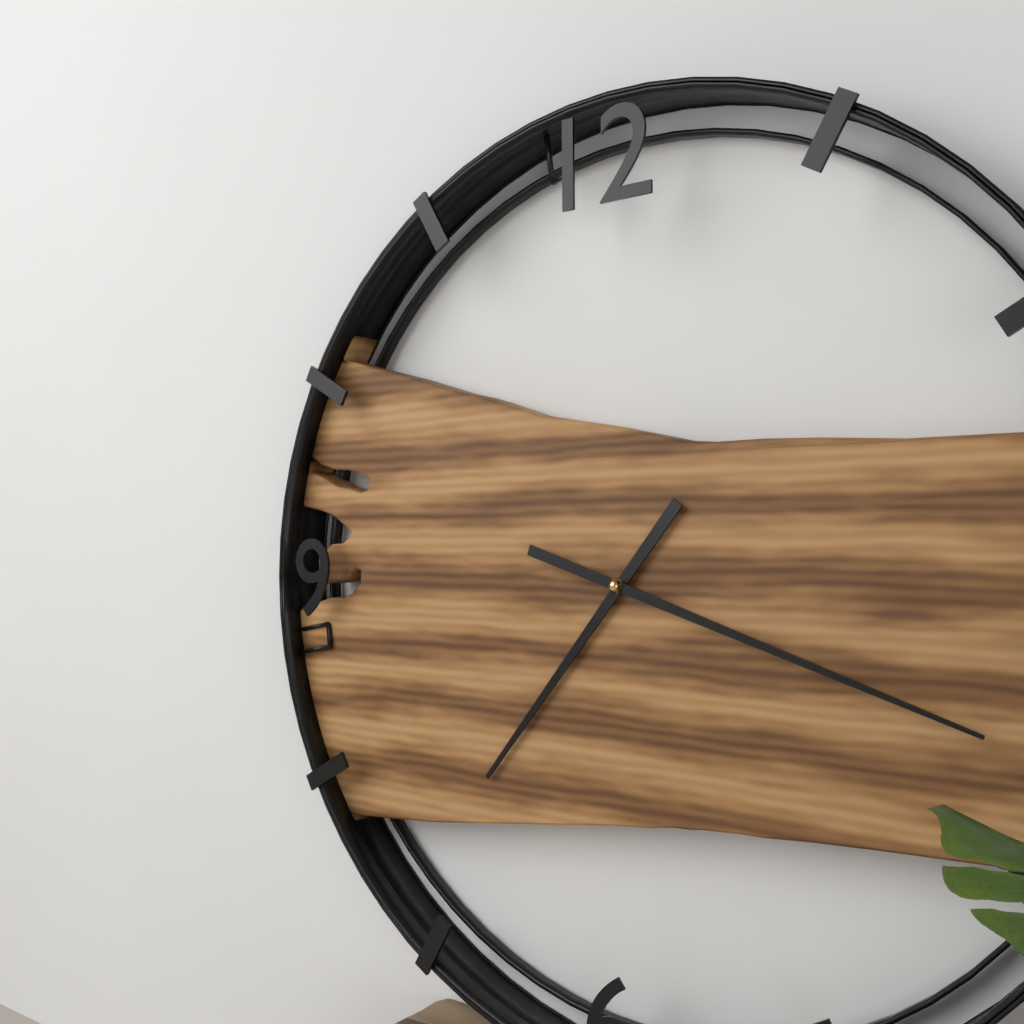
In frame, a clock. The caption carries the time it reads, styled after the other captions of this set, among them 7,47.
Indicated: 7,18
